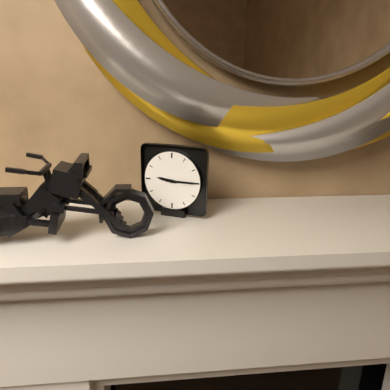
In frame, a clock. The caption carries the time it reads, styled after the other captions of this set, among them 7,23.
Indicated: 9,15
